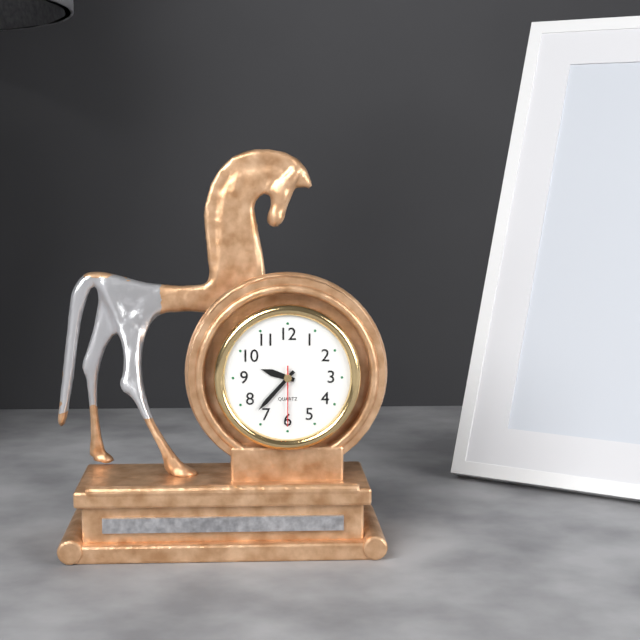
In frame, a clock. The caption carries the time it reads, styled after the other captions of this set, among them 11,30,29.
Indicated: 9,37,30
